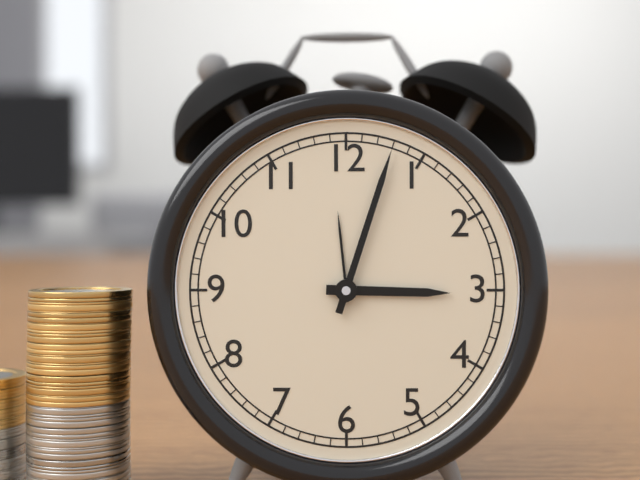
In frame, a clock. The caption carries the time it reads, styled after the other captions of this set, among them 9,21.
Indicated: 3,03
